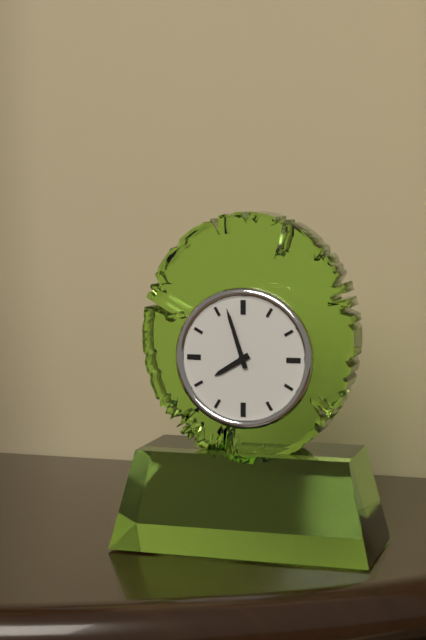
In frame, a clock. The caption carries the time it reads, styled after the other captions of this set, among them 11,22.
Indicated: 7,57
